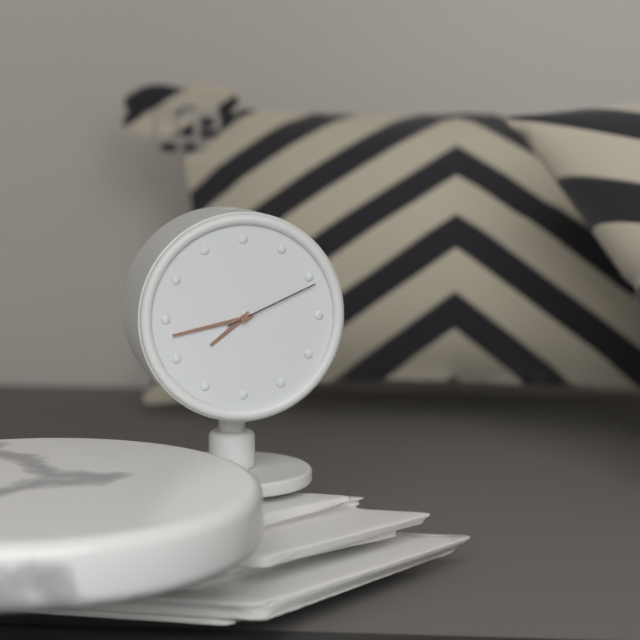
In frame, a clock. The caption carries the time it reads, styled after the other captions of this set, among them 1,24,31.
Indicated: 7,43,11
